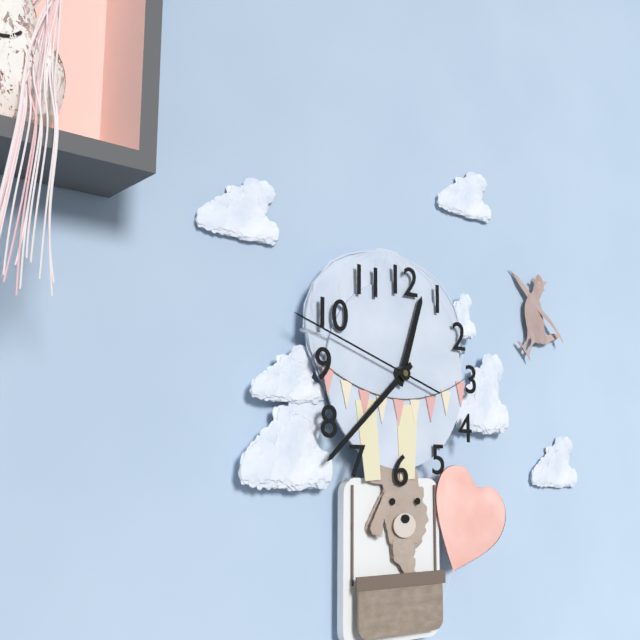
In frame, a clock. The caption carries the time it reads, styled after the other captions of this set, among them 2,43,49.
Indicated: 12,38,48
